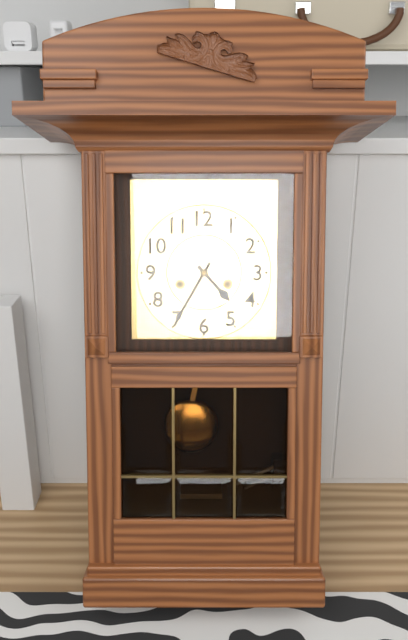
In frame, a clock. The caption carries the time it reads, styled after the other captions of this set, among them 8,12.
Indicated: 4,35
